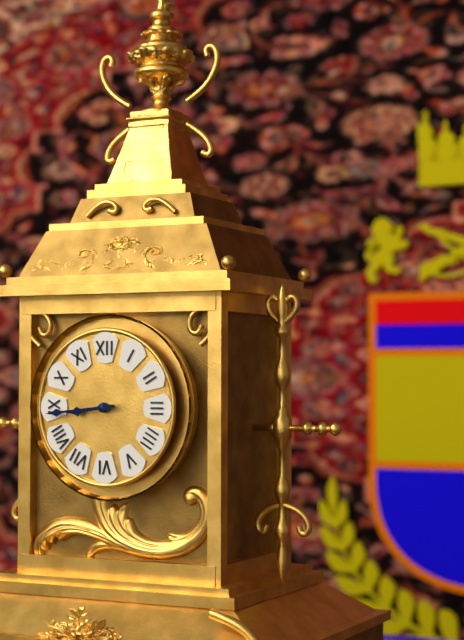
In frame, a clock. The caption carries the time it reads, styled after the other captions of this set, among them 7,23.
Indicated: 8,44
